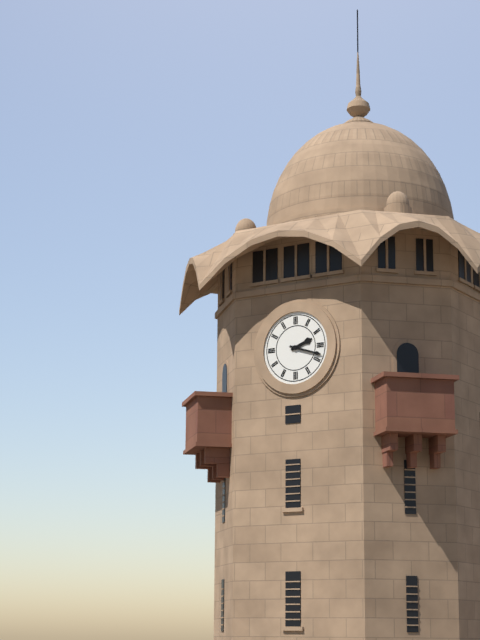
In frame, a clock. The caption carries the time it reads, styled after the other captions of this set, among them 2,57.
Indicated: 2,18
